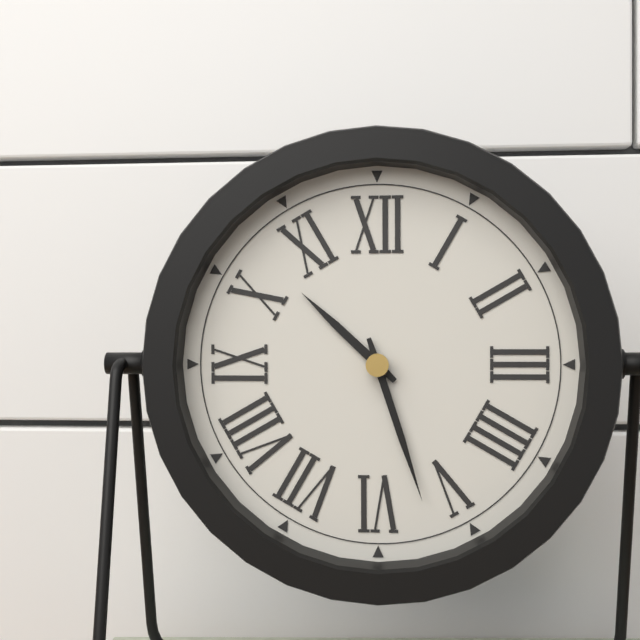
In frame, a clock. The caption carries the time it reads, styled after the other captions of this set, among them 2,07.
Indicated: 10,27
